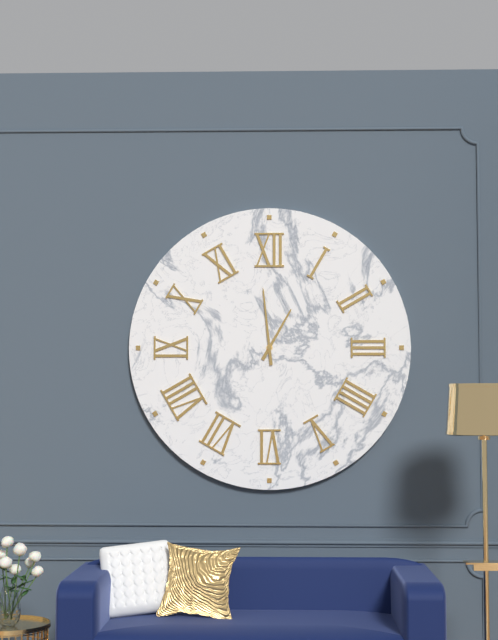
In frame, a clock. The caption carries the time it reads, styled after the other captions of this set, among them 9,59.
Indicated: 12,59
